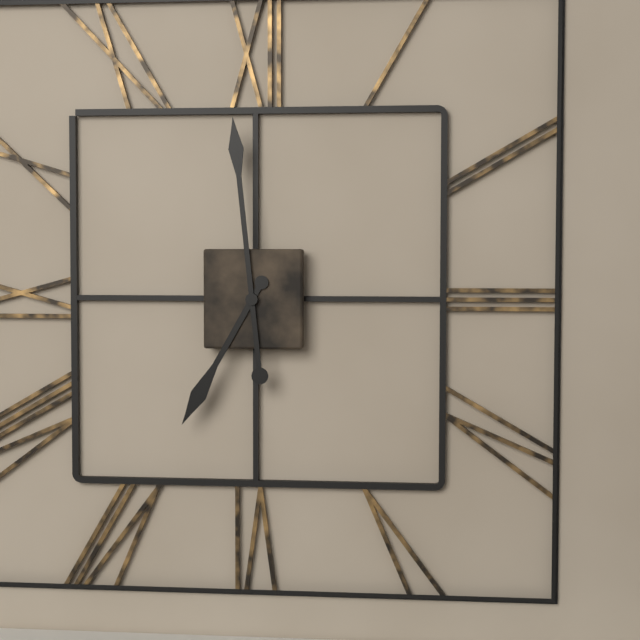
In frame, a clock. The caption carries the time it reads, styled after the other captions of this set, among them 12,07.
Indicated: 6,59
